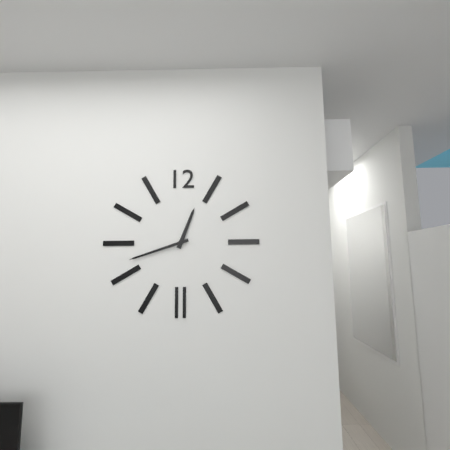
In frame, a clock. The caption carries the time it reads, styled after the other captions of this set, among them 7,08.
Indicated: 12,42
